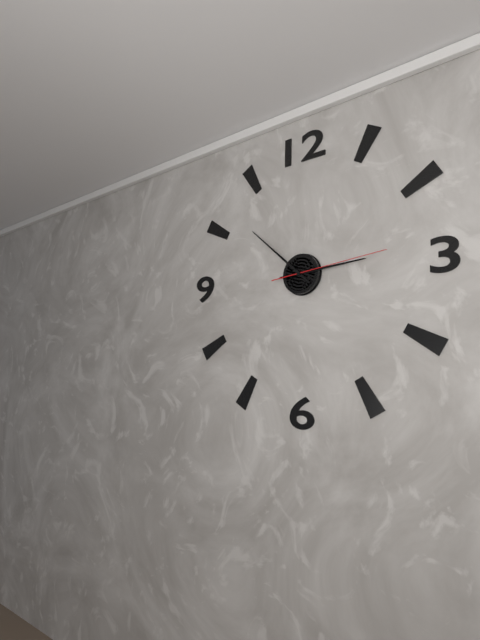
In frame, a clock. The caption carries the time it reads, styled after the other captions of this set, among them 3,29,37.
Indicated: 2,52,14
